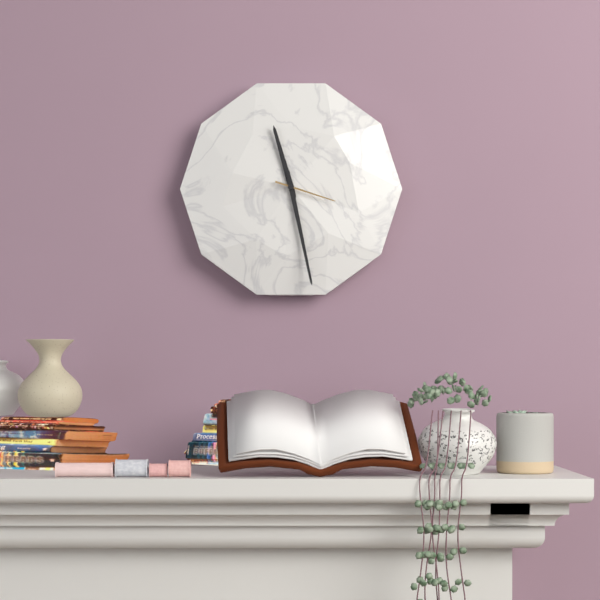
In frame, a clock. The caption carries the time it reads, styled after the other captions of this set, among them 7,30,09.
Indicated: 11,28,18
